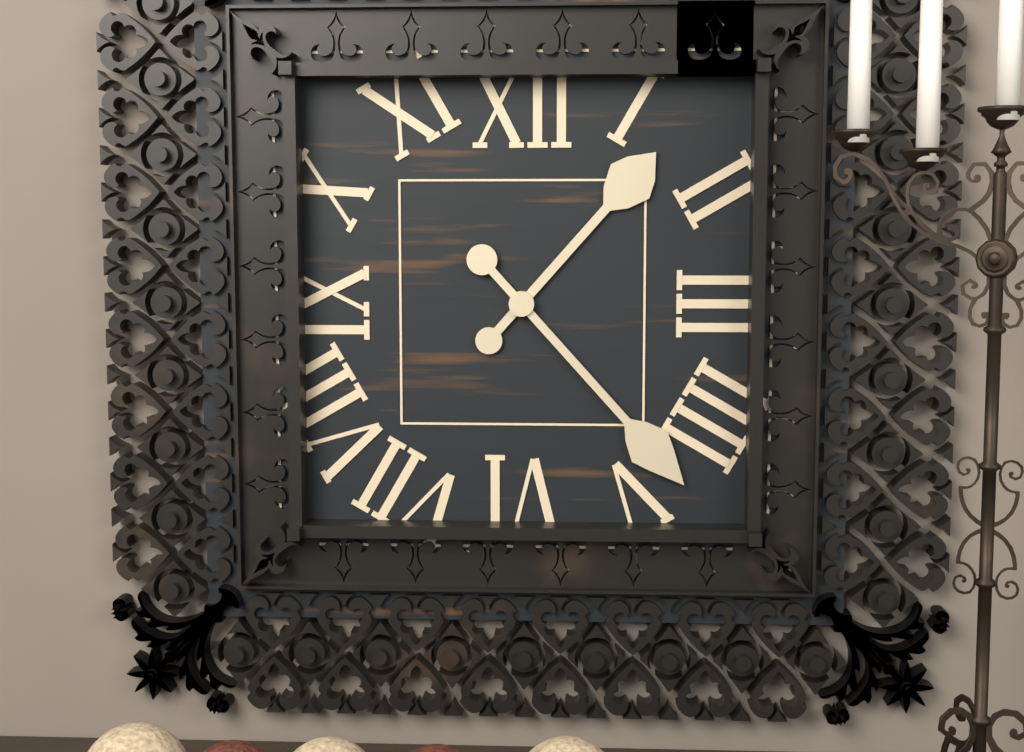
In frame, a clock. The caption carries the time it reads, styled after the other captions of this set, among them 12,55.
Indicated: 1,23
